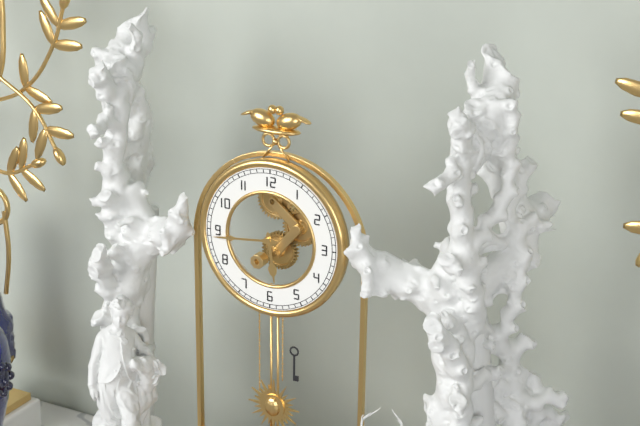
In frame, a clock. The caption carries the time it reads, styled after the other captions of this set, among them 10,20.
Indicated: 5,44
